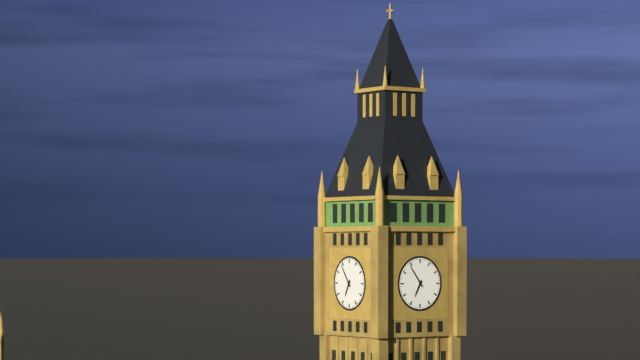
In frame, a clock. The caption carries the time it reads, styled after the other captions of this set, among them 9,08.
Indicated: 6,54
